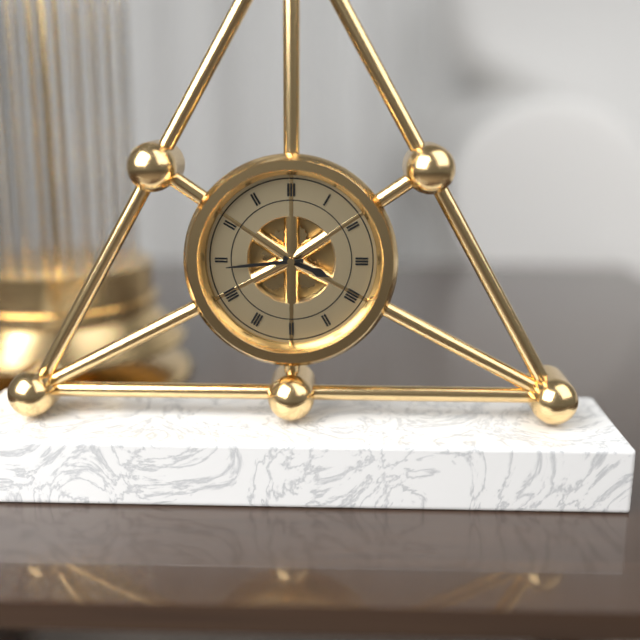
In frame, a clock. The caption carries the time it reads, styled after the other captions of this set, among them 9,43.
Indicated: 3,44
